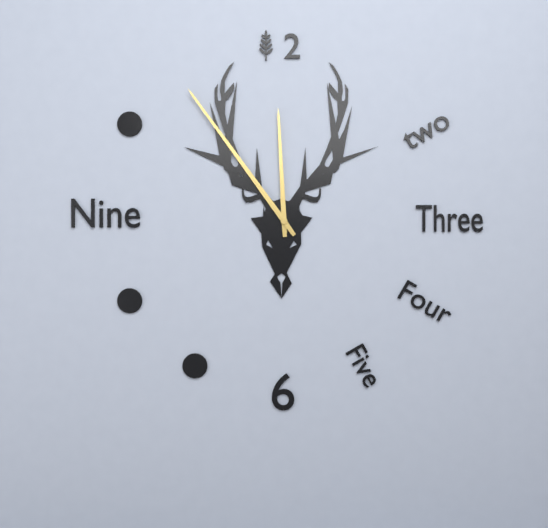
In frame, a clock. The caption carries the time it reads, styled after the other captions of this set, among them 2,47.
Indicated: 11,54
